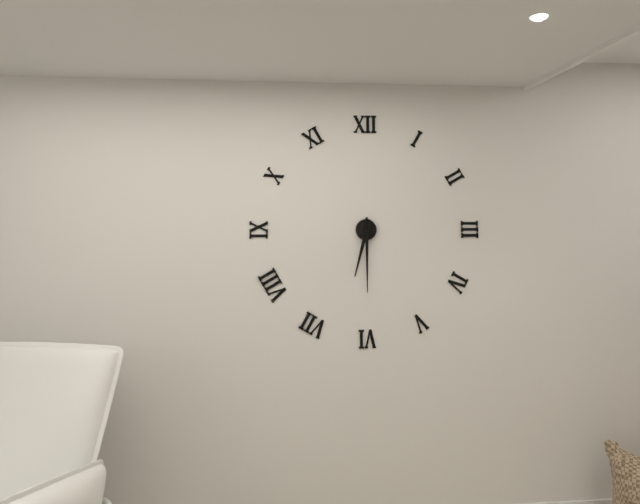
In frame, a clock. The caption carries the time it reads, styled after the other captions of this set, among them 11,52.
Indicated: 6,30
